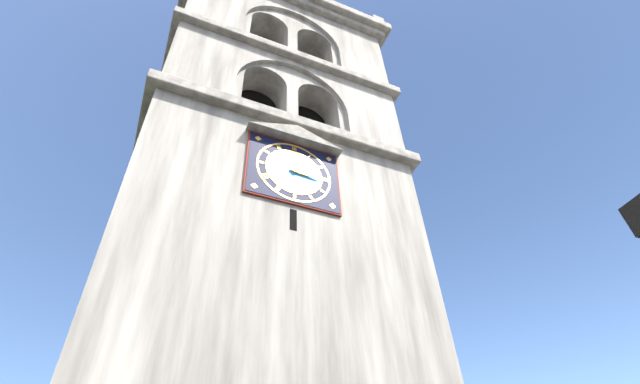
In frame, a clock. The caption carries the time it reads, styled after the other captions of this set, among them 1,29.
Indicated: 3,16
